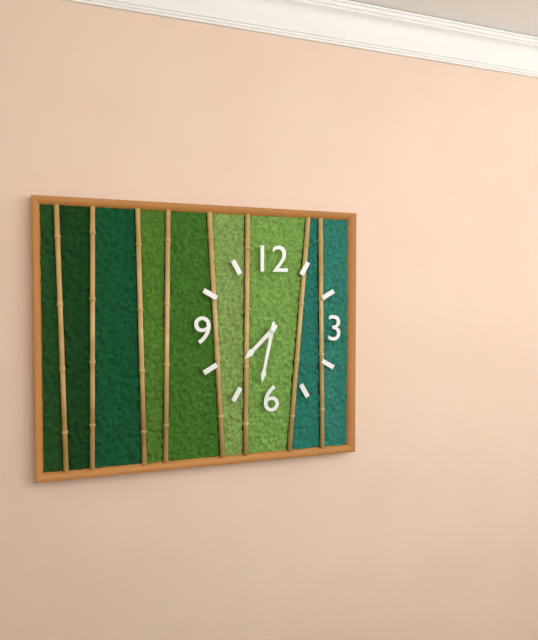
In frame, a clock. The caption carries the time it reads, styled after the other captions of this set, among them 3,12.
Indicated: 7,32
